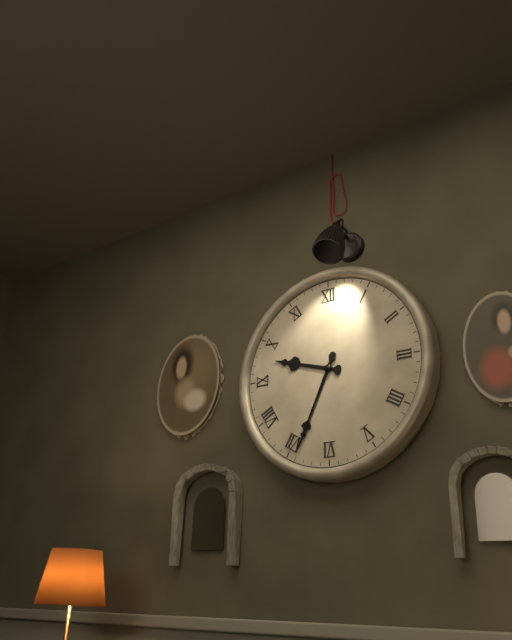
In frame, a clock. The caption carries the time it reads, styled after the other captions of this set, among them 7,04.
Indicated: 9,34
